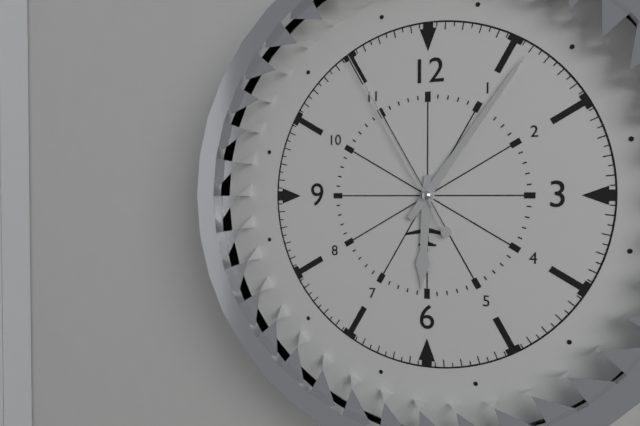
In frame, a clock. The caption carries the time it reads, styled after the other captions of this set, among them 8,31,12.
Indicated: 6,06,55
